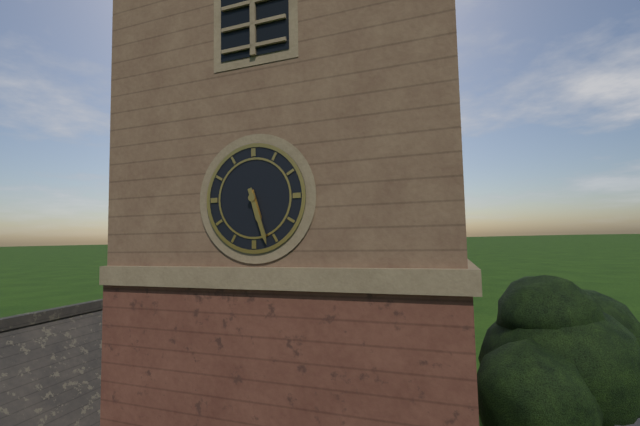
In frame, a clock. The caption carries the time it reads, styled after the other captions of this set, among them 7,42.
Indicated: 5,27
